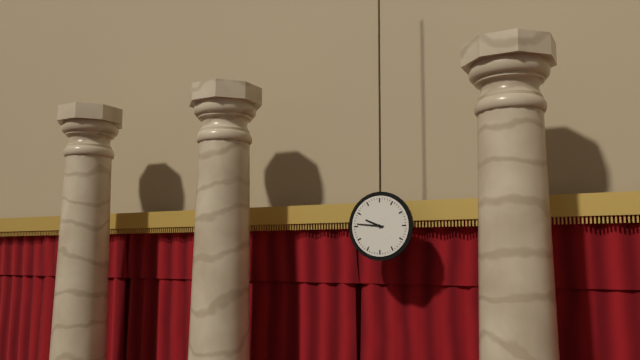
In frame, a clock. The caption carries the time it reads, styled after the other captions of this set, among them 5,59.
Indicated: 9,46
